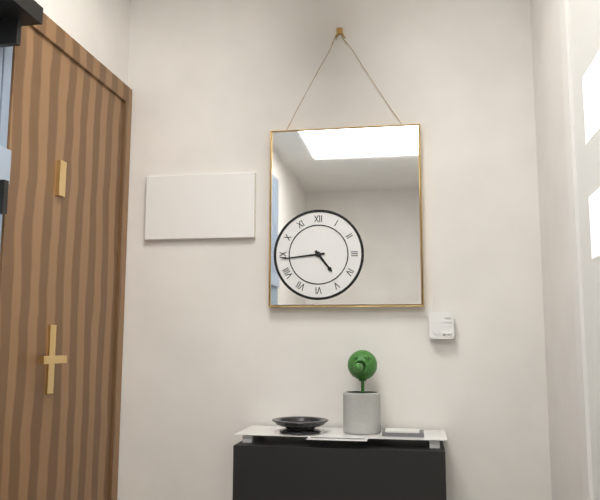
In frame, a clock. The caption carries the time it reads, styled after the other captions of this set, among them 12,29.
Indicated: 4,44
